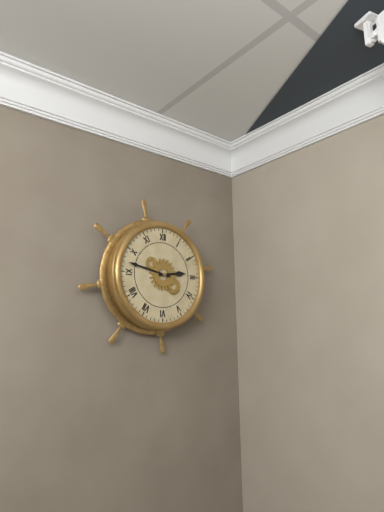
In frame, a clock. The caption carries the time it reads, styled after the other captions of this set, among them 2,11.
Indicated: 2,47
